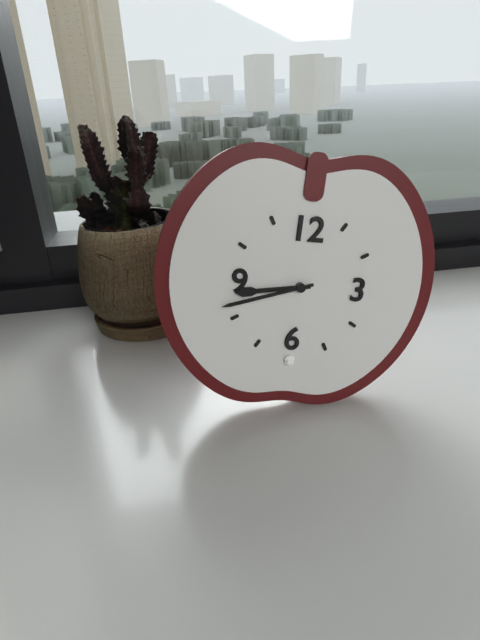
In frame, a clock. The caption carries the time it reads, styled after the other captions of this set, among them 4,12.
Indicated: 8,42
